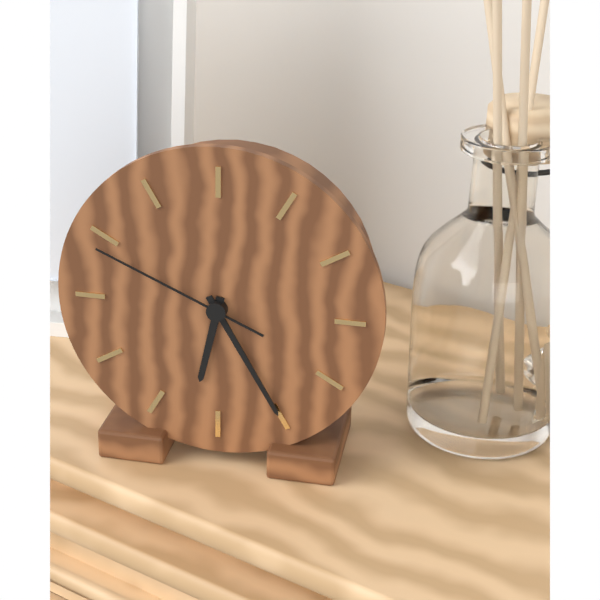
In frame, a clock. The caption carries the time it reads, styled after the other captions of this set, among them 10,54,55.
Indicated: 6,25,49
